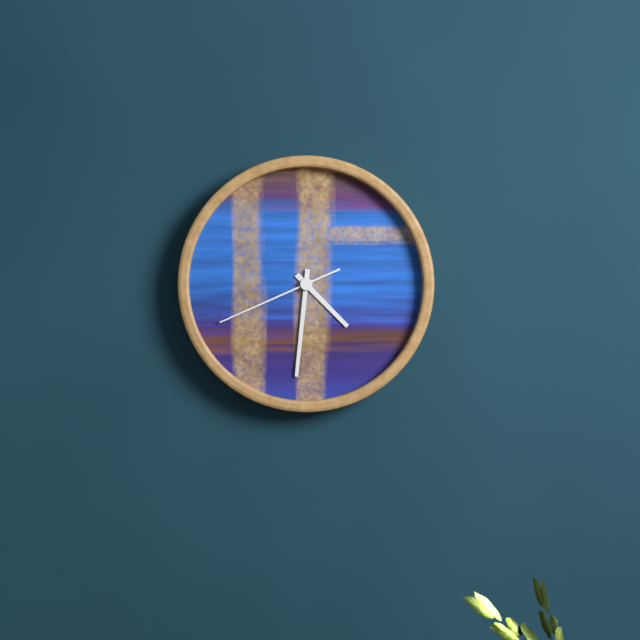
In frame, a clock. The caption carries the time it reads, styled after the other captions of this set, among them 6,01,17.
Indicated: 4,31,41
